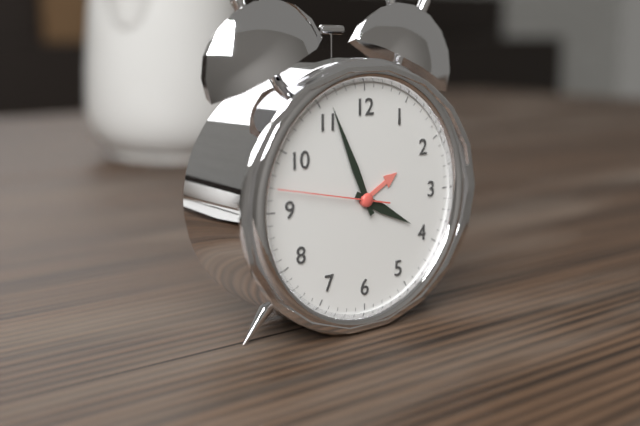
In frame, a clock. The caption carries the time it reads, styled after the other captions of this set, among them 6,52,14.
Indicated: 3,56,47
